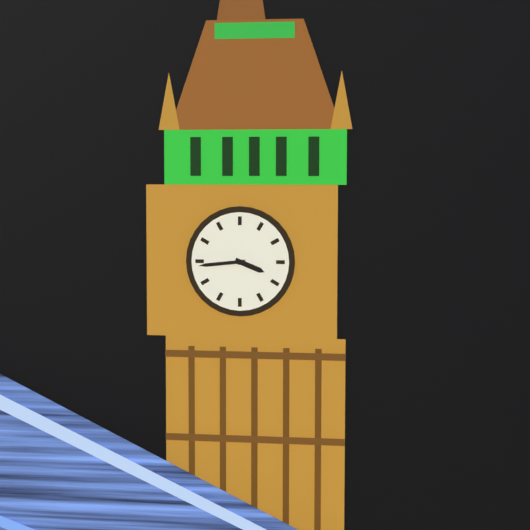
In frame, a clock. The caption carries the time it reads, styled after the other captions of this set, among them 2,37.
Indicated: 3,44
